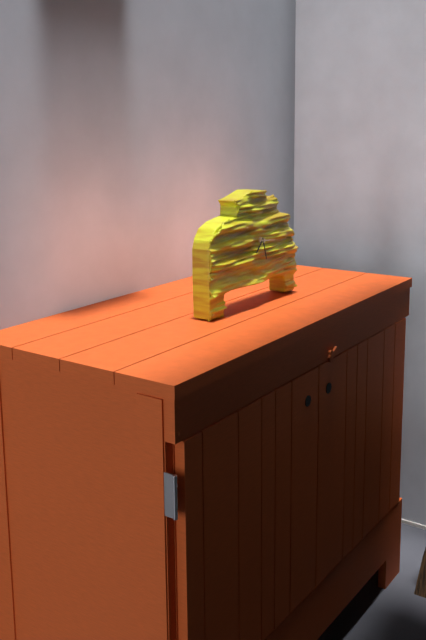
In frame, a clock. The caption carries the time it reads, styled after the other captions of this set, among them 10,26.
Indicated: 7,27
